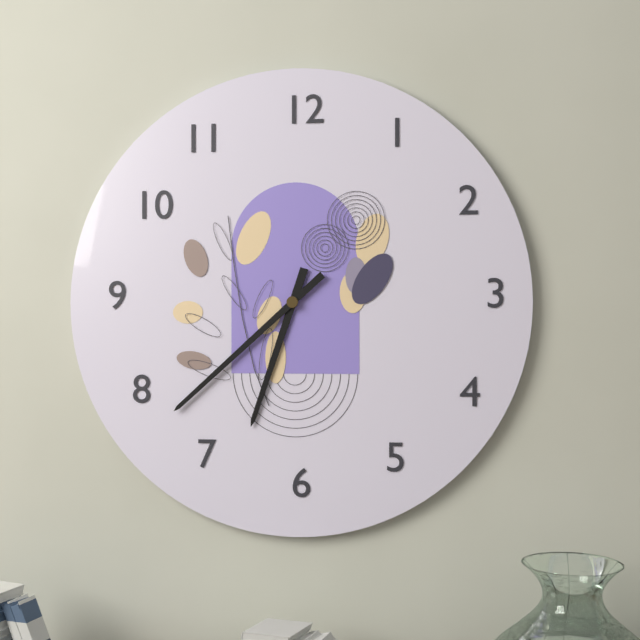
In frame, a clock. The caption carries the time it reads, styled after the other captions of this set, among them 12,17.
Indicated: 6,38
